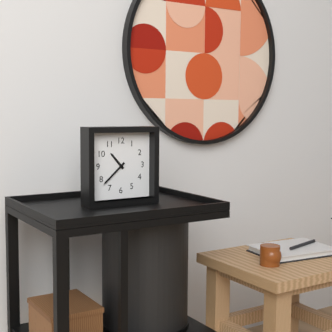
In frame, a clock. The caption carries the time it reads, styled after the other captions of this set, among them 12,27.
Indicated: 10,38
